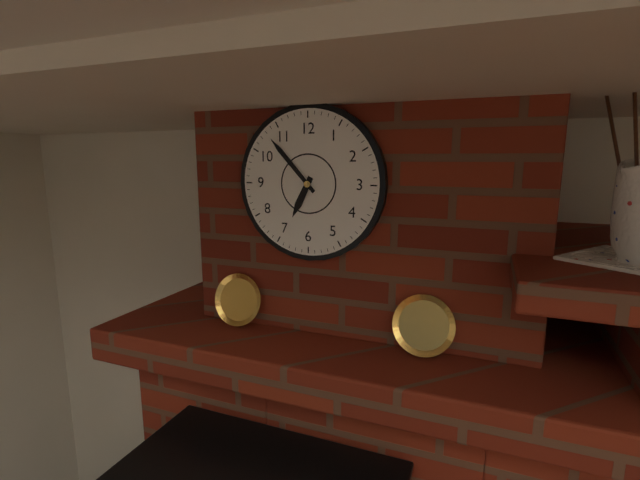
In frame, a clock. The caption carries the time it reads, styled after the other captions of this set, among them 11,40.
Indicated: 6,53
